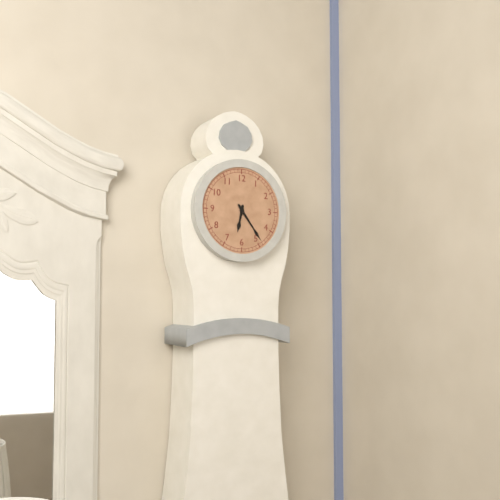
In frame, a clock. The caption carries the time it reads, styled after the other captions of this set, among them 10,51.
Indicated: 6,24
